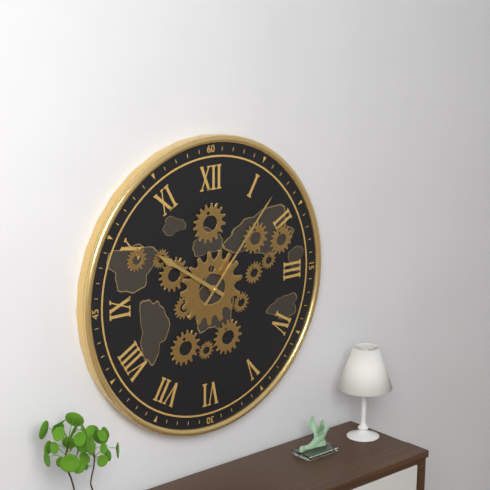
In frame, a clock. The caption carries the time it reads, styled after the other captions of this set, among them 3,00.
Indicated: 10,07
